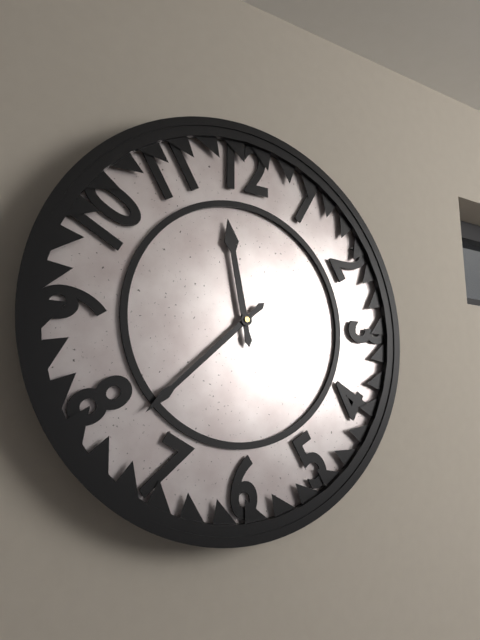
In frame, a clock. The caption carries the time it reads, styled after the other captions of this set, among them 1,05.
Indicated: 11,38
